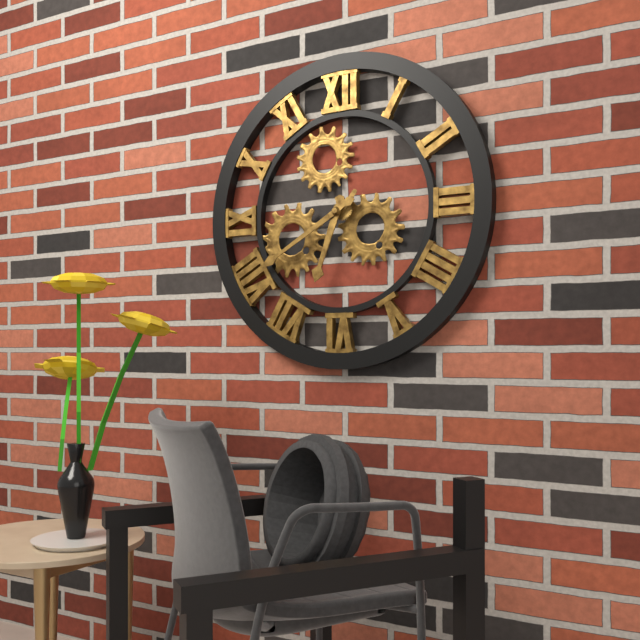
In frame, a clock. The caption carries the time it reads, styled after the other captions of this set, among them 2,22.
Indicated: 6,40
